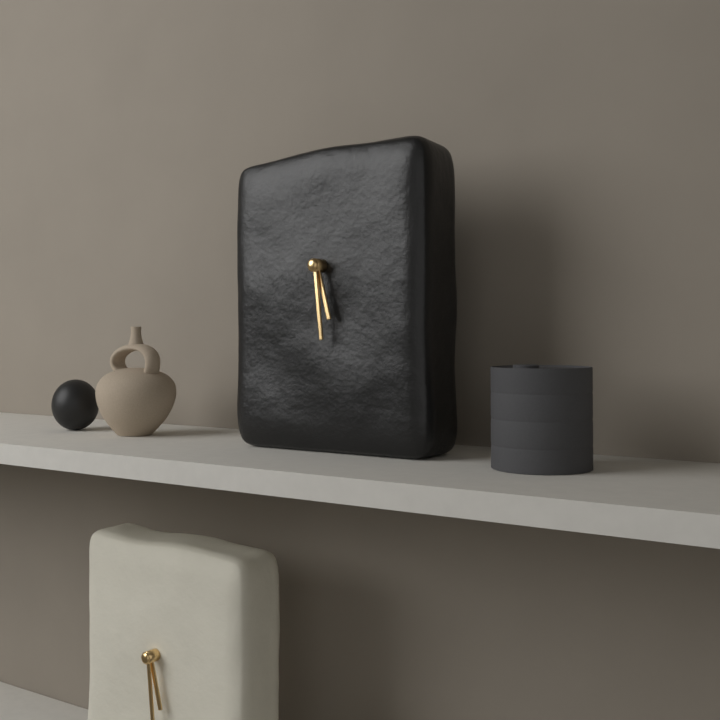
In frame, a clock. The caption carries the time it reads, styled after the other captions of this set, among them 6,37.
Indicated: 5,29
